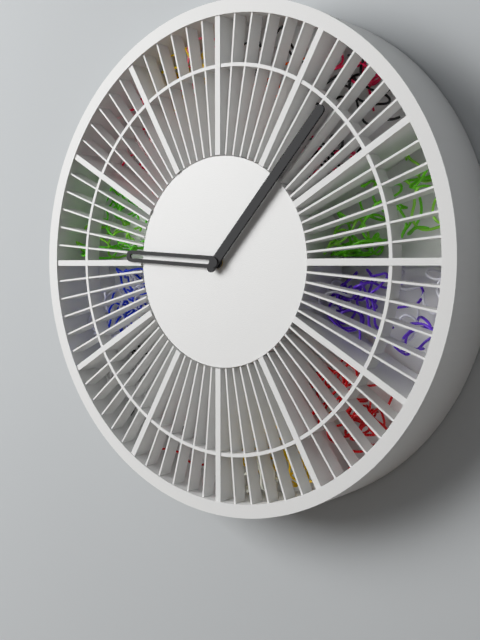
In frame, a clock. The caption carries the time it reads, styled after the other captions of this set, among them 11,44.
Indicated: 9,07
